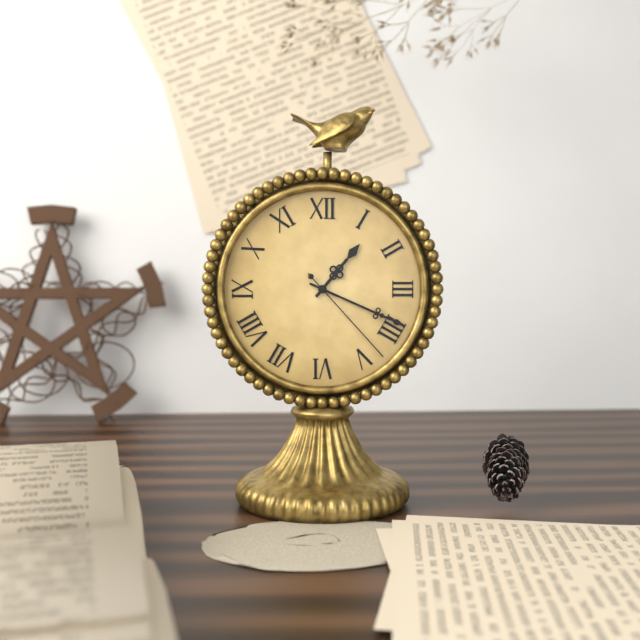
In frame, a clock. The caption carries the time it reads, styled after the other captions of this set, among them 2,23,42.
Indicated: 1,19,23
